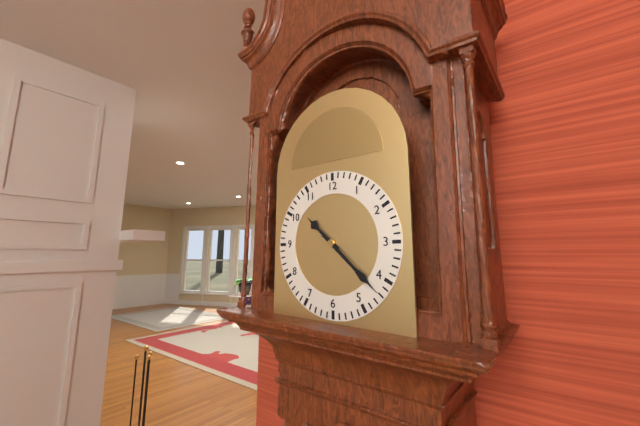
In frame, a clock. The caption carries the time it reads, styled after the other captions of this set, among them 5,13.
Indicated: 10,22
